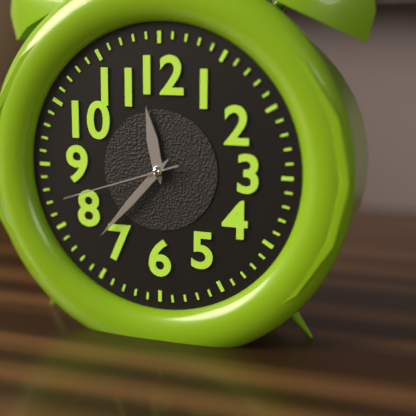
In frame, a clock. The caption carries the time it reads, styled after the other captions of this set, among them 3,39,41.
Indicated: 11,37,42
